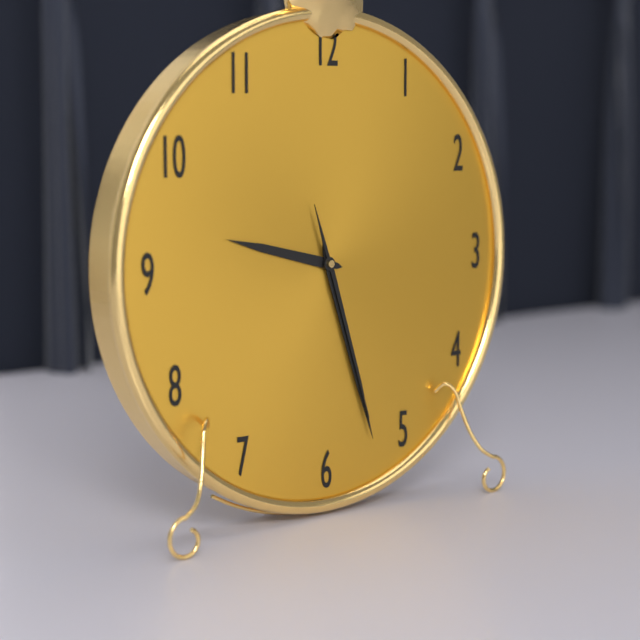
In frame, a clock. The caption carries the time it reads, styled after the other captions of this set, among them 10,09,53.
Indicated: 9,27,27
